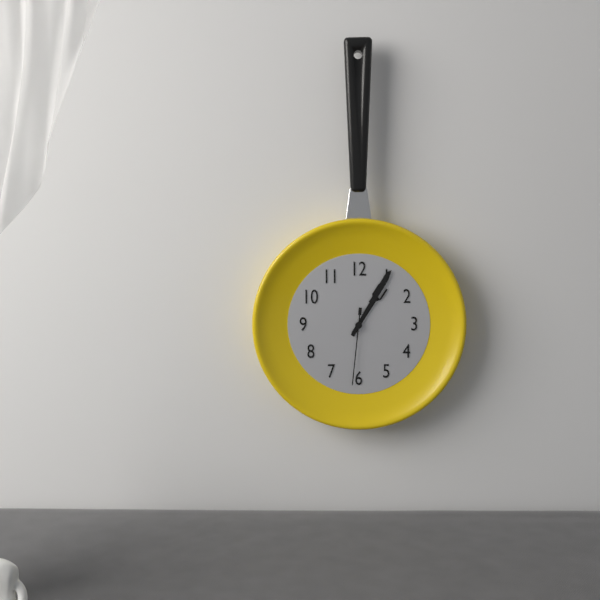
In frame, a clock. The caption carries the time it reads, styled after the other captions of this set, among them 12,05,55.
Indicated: 1,05,31
